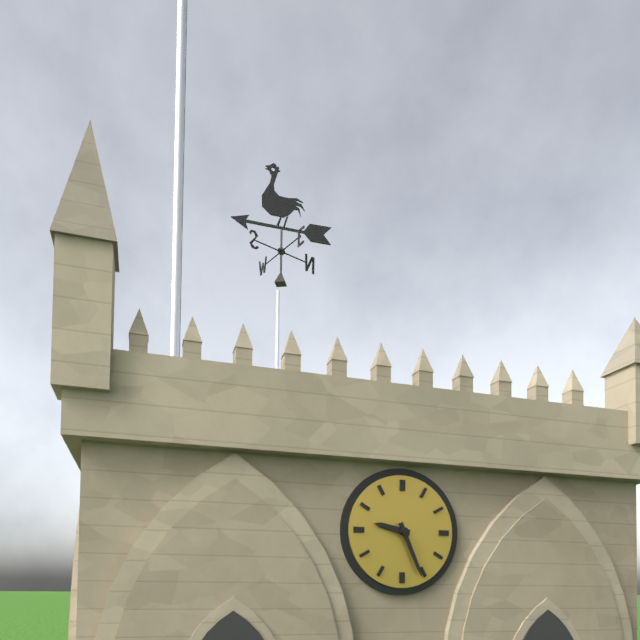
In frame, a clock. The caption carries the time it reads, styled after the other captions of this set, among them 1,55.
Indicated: 9,26
